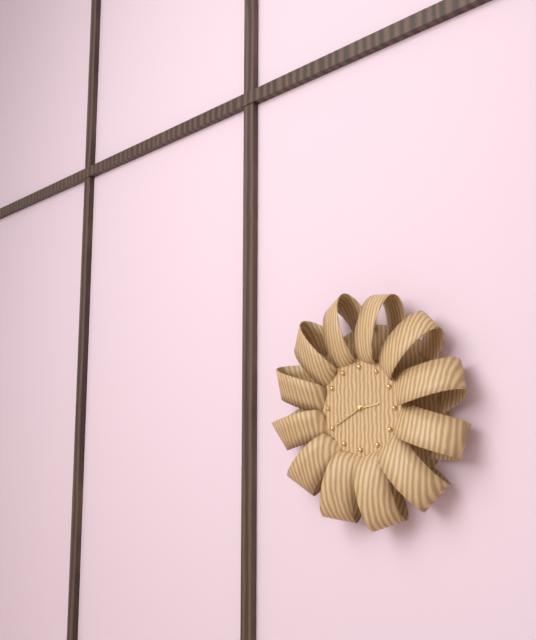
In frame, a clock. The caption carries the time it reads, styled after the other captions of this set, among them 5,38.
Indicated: 2,40
